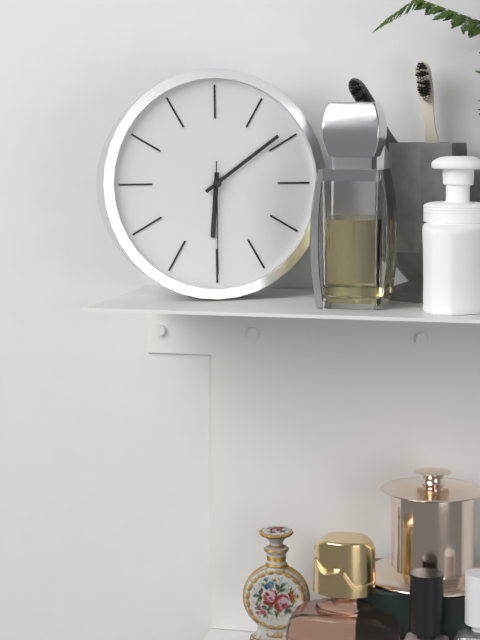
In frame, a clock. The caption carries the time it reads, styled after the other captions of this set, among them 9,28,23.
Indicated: 6,09,30
